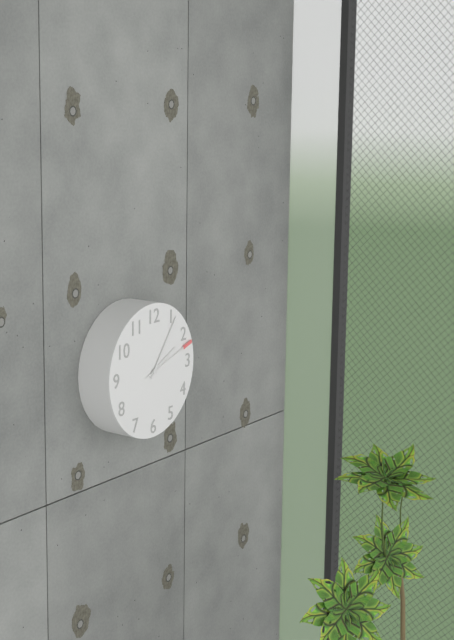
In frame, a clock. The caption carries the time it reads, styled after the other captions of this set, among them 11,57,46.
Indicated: 2,06,12
